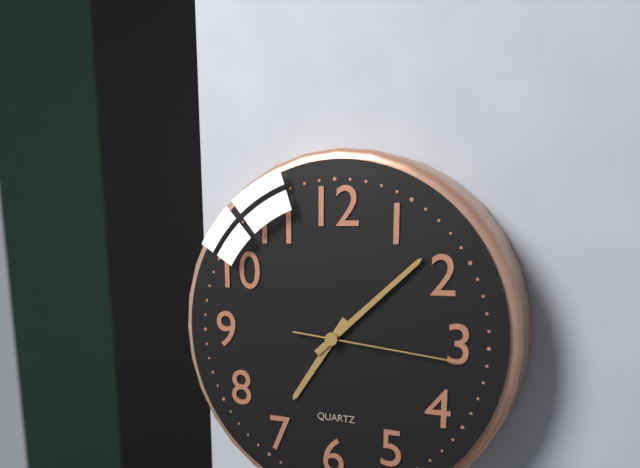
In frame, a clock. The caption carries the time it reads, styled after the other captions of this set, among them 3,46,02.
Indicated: 7,08,16
